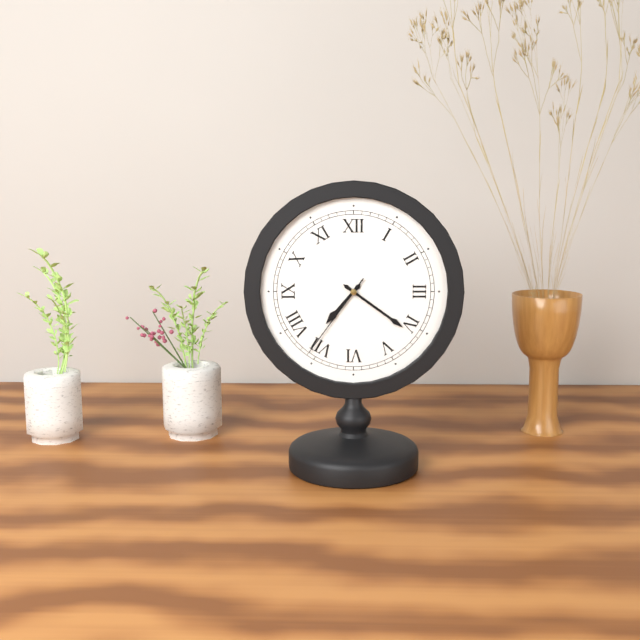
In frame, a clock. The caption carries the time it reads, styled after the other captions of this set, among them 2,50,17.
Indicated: 7,21,36
